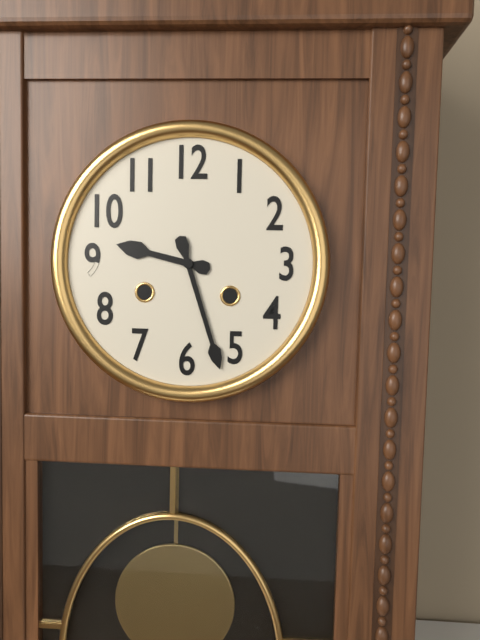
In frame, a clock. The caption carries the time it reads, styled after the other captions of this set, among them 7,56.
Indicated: 9,27
